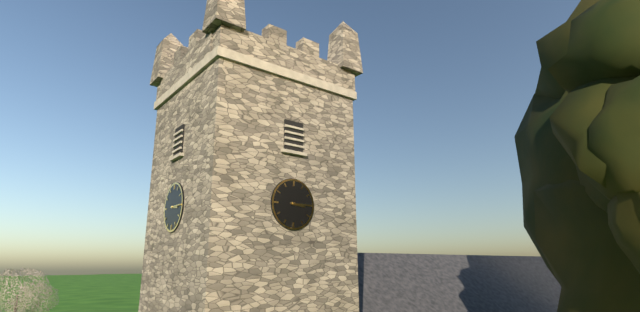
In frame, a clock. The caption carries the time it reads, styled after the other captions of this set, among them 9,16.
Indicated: 3,15
